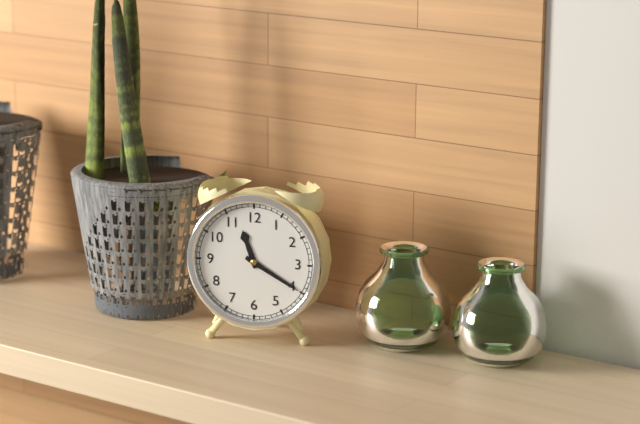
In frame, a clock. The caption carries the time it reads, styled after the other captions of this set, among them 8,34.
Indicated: 11,20
